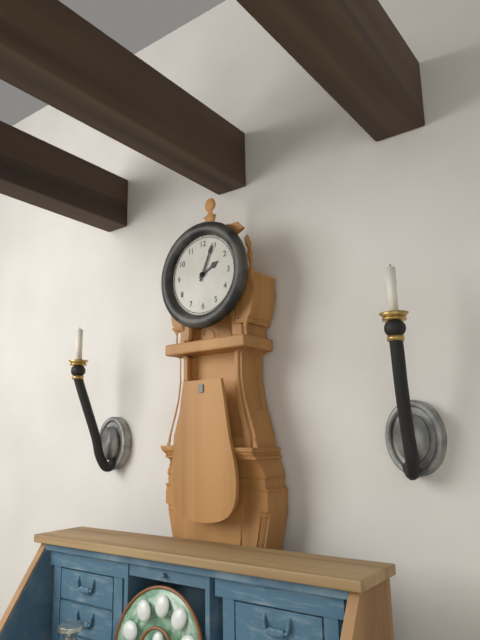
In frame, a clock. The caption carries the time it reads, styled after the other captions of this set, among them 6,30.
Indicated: 2,04
